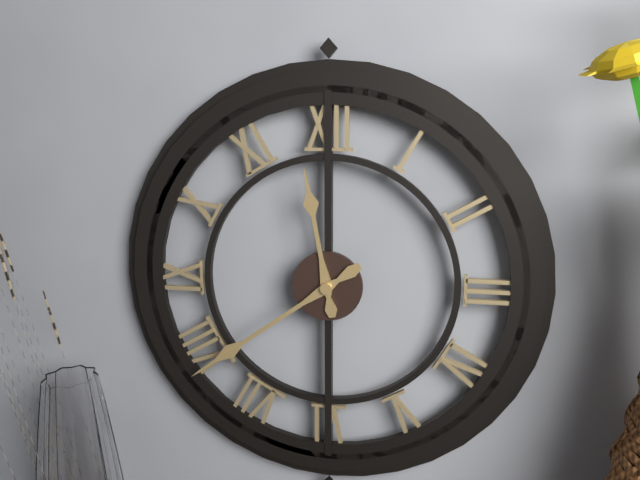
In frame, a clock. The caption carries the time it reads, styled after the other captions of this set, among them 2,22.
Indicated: 11,39
